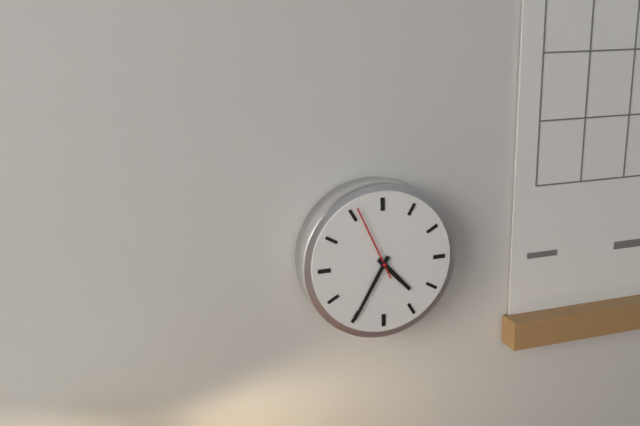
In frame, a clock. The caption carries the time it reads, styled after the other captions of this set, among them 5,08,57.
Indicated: 4,35,56
